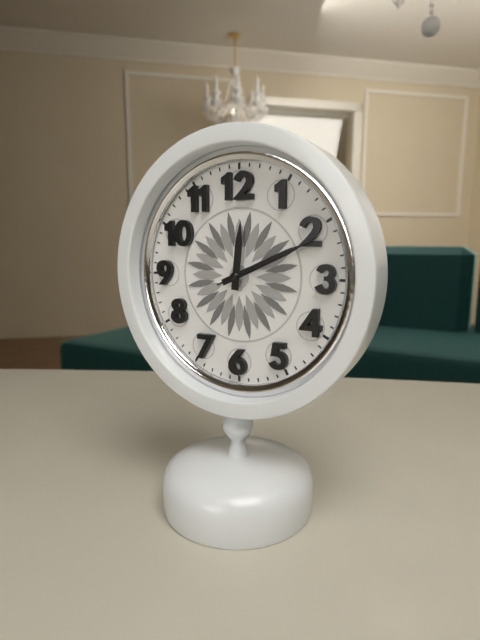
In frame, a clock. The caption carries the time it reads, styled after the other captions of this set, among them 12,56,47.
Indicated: 12,11,11
